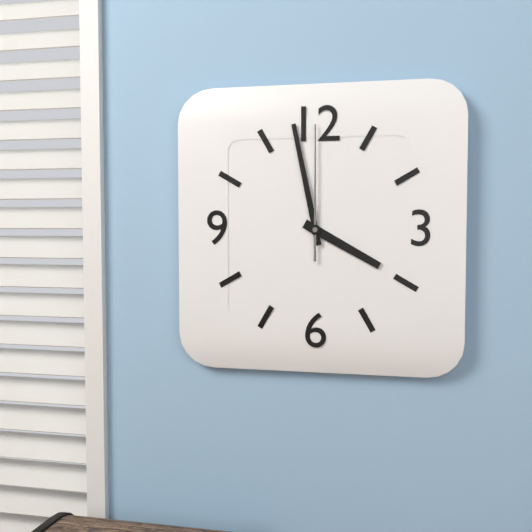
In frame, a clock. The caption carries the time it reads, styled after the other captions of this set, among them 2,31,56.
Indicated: 3,58,00
